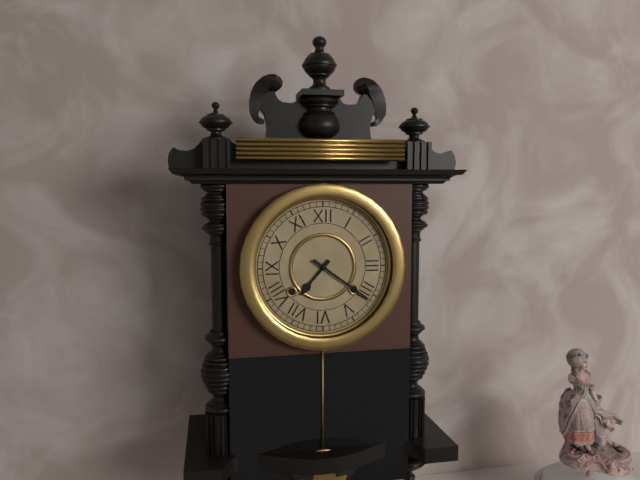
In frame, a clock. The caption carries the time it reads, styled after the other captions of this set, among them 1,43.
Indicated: 7,21
